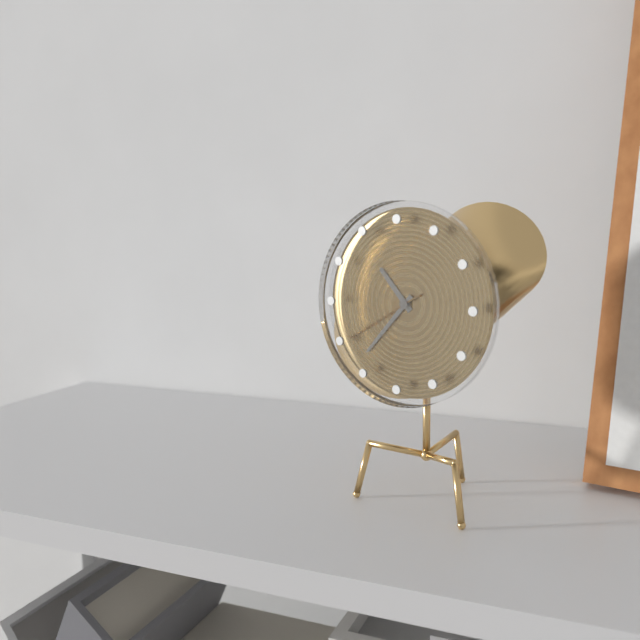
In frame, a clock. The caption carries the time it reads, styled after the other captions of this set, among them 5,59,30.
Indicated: 10,37,40
